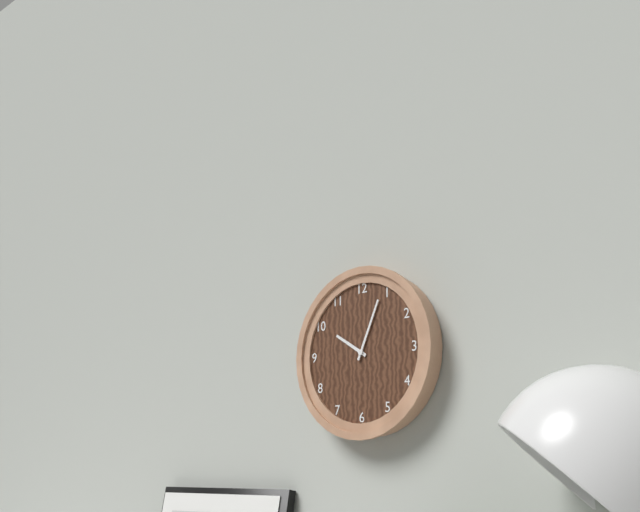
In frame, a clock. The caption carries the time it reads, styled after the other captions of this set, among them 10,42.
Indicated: 10,04
